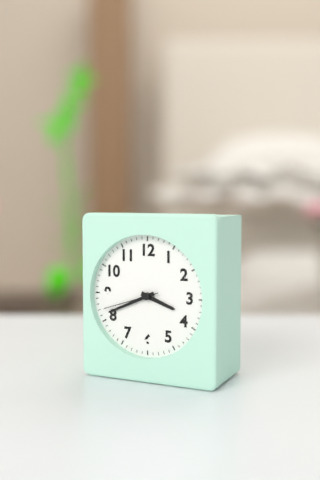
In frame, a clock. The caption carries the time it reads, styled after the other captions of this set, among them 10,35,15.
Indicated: 3,41,42
